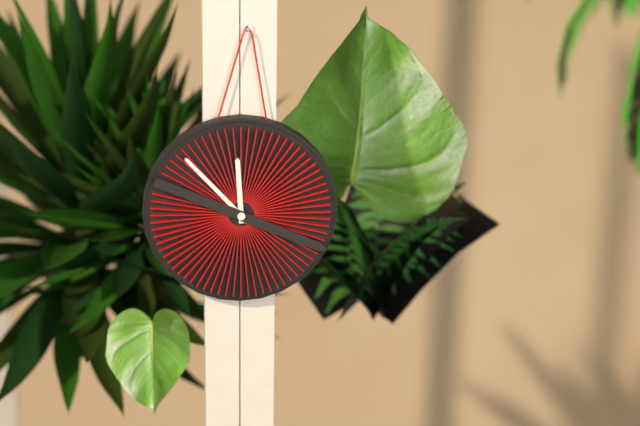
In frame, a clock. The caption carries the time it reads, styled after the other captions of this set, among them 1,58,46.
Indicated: 11,53,19
